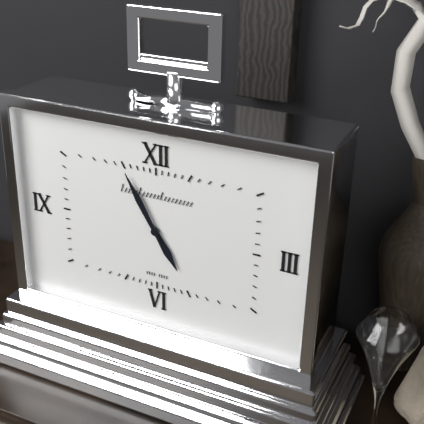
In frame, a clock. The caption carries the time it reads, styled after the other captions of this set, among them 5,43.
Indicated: 4,55
